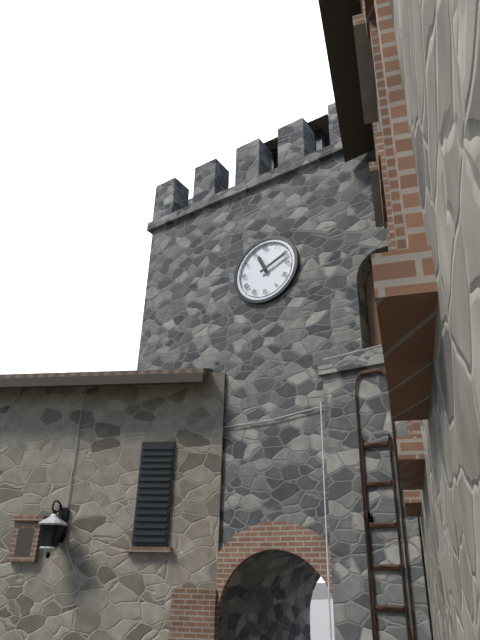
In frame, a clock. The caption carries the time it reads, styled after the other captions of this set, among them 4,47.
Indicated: 11,11
